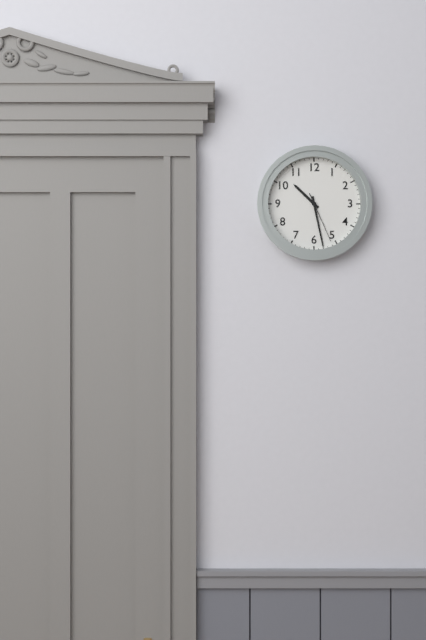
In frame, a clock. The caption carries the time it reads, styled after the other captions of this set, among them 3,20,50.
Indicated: 10,28,26
